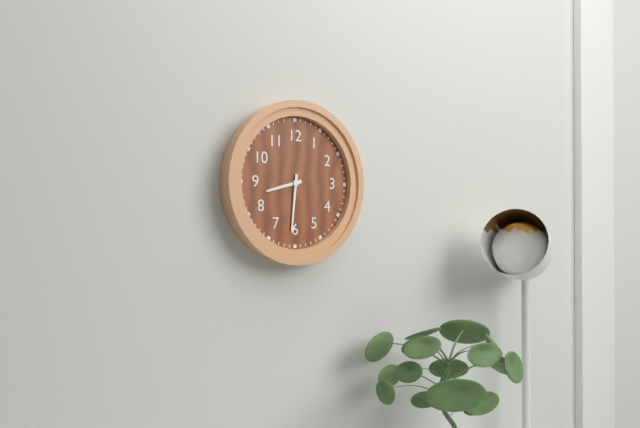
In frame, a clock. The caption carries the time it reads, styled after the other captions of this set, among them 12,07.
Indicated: 8,31
